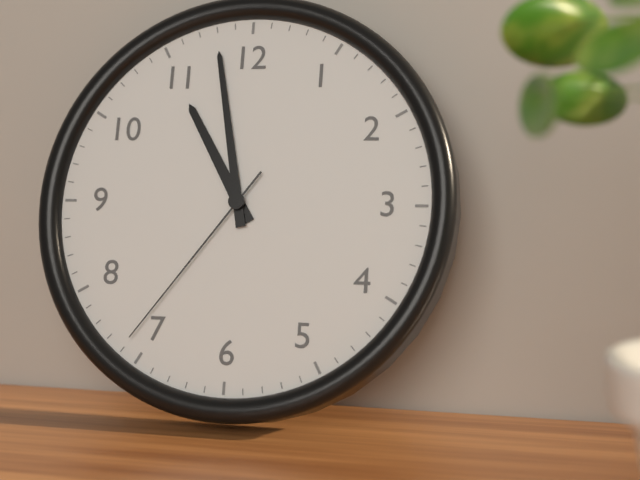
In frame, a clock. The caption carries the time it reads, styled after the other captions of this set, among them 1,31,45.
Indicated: 10,58,36
